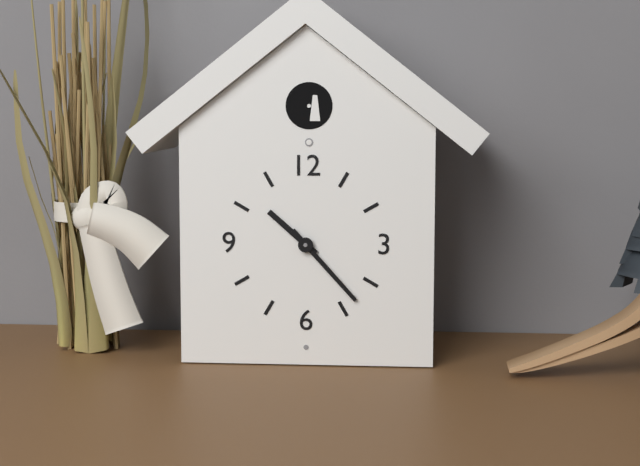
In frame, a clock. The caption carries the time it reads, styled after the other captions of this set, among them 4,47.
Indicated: 10,23
